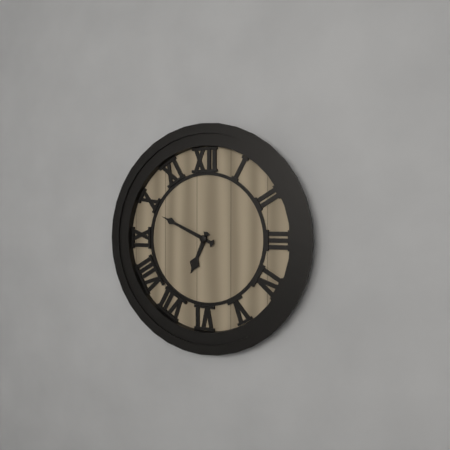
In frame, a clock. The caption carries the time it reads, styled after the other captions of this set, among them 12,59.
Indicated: 6,49
